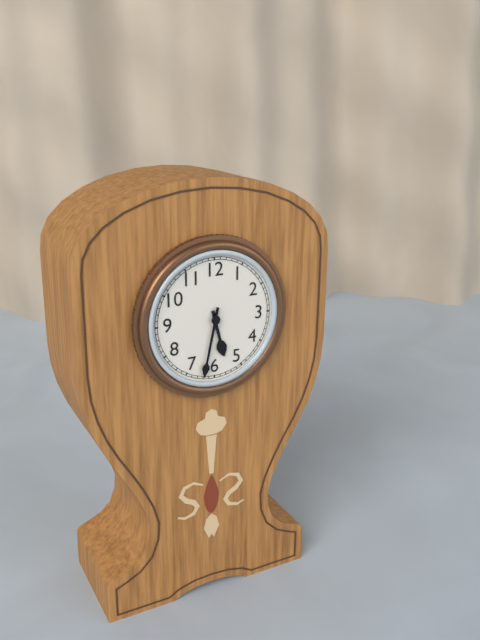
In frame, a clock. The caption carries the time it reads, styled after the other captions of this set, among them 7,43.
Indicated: 5,32
